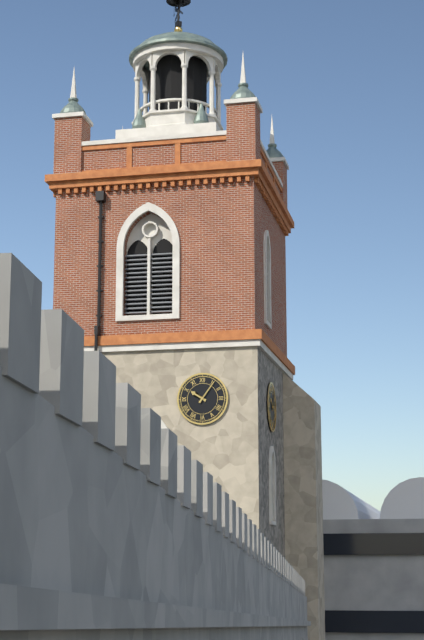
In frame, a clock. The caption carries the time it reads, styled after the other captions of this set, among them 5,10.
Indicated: 10,06
